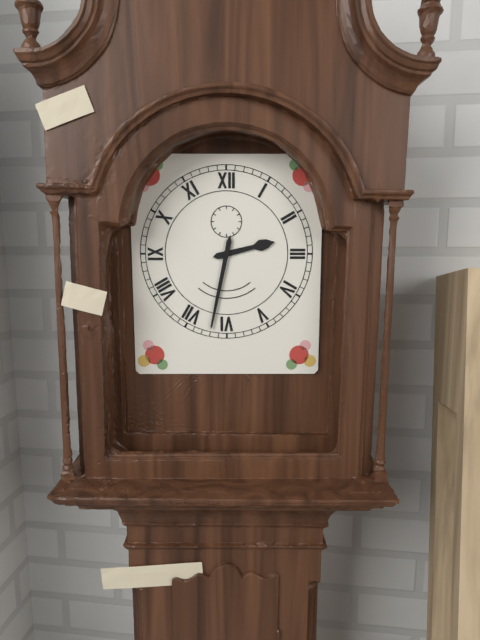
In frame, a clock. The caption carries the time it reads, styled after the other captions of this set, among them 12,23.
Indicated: 2,32
